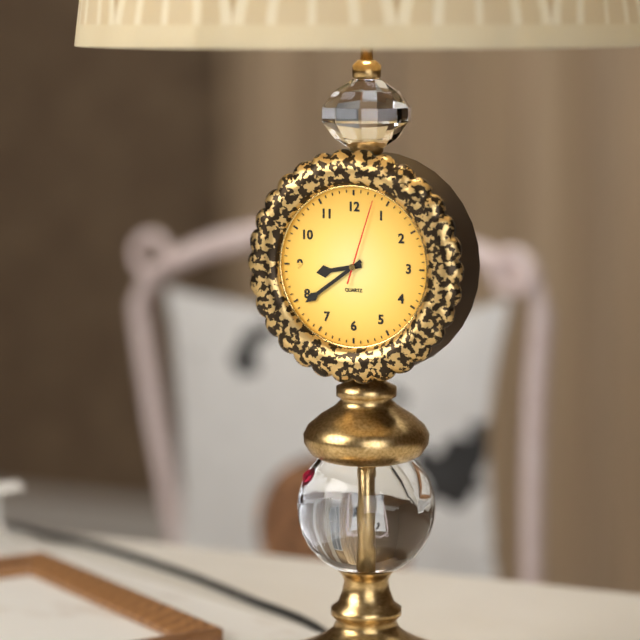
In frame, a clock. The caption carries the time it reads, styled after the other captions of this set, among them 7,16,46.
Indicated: 8,39,03
